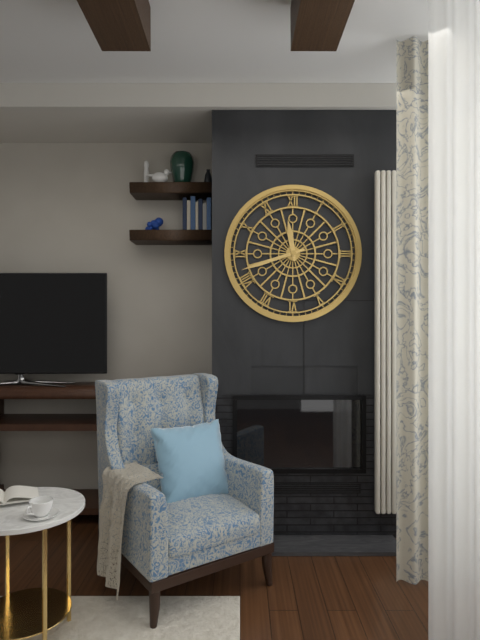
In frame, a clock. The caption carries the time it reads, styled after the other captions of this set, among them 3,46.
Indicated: 11,42
